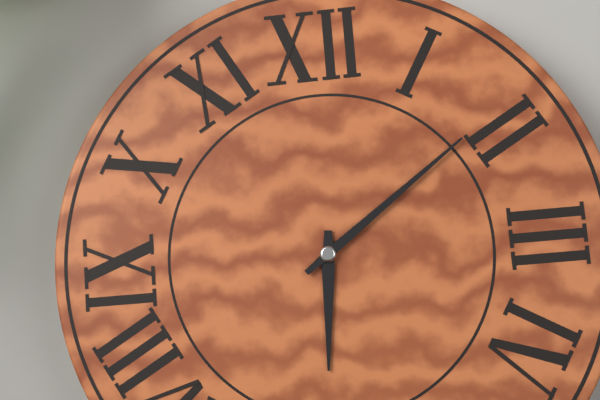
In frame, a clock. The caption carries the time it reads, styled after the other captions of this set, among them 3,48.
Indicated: 6,09
